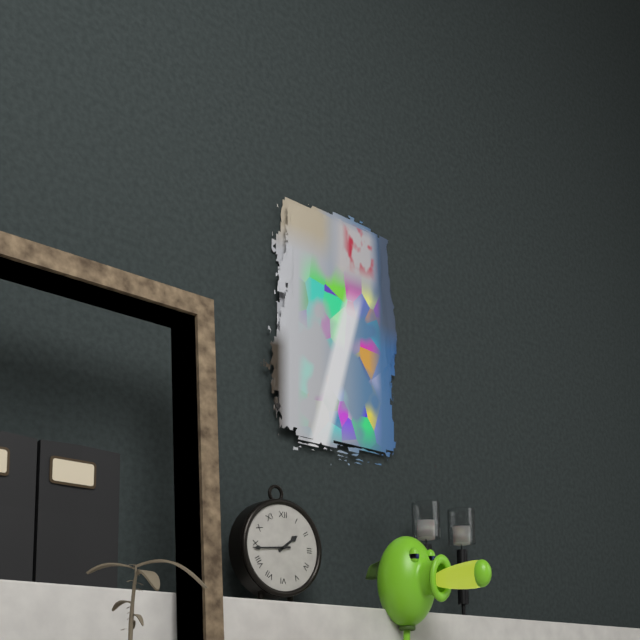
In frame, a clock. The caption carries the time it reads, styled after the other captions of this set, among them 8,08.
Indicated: 1,44
